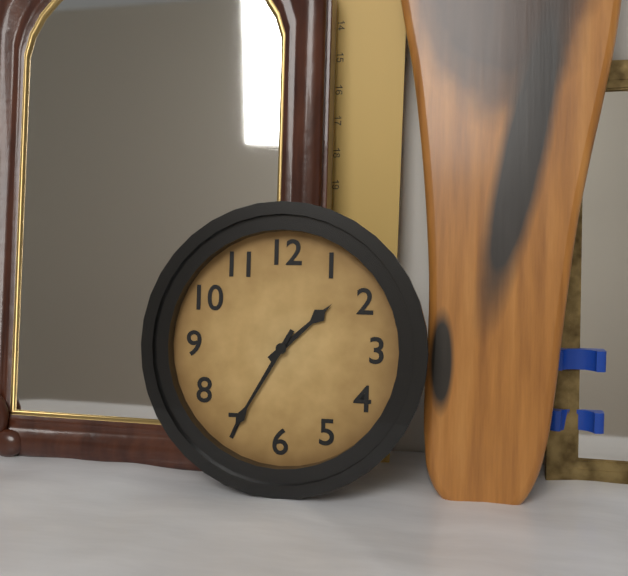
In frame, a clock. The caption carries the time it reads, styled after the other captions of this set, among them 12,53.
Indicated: 1,35
